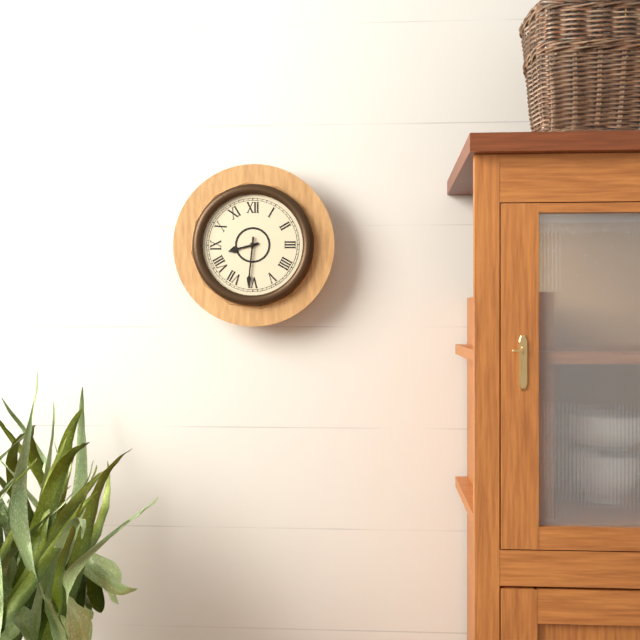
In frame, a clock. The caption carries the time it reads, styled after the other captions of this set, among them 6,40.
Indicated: 8,31
